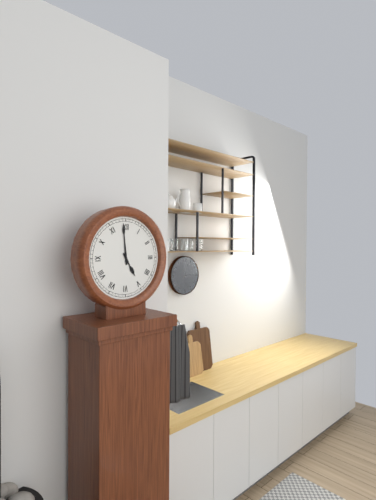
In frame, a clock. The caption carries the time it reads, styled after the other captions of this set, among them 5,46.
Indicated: 4,59
